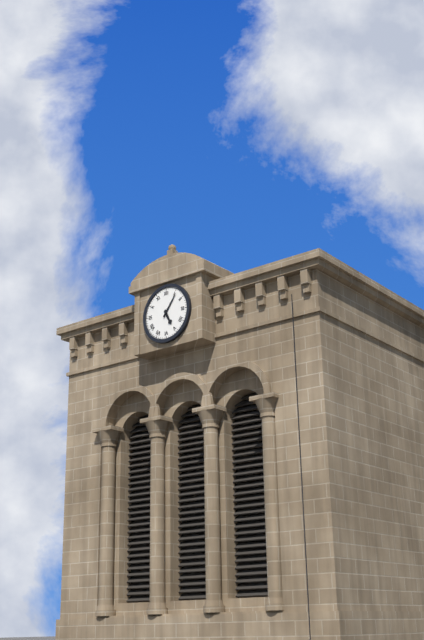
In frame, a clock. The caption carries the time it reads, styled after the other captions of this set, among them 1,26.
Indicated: 5,06
